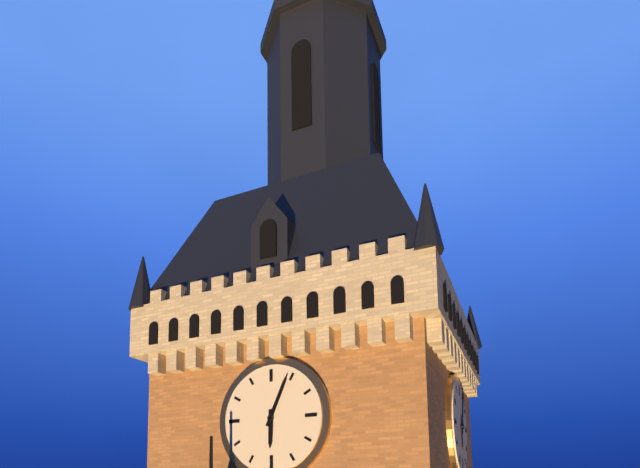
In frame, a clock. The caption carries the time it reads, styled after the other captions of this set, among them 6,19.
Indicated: 6,04
